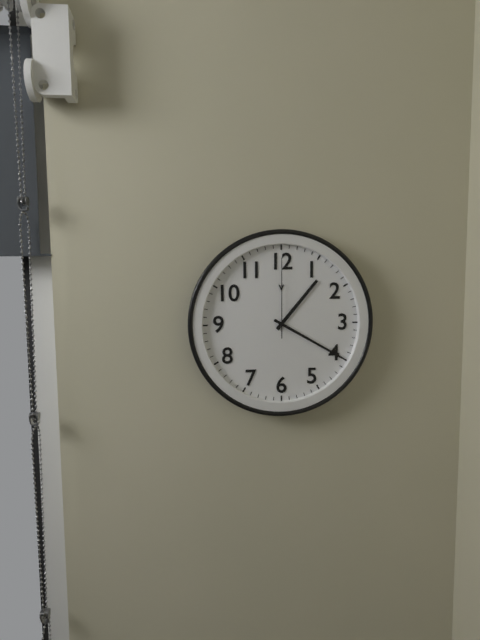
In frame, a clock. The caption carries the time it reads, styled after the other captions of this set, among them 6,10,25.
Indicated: 1,20,00
